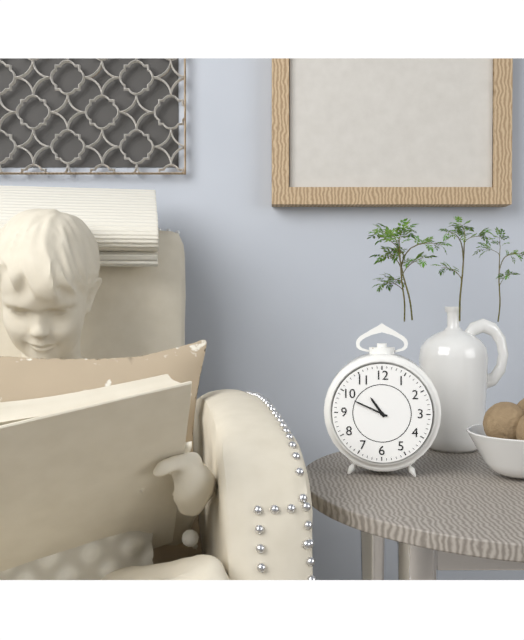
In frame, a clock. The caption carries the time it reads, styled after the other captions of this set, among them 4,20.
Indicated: 10,49
